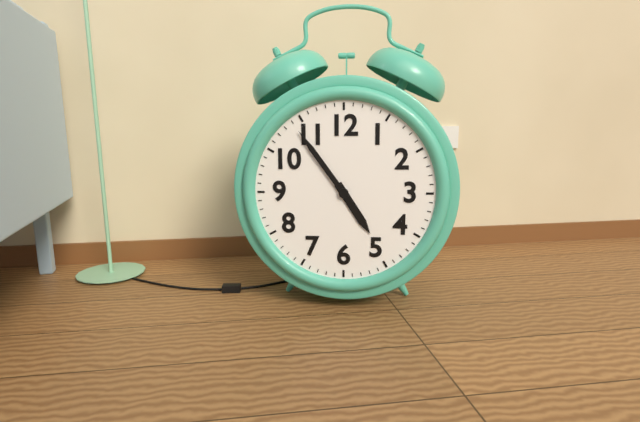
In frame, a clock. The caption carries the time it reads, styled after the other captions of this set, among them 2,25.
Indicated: 4,54
